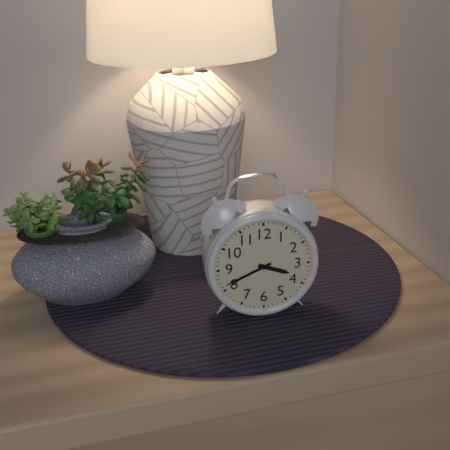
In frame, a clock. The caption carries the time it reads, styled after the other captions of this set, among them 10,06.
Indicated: 3,41
